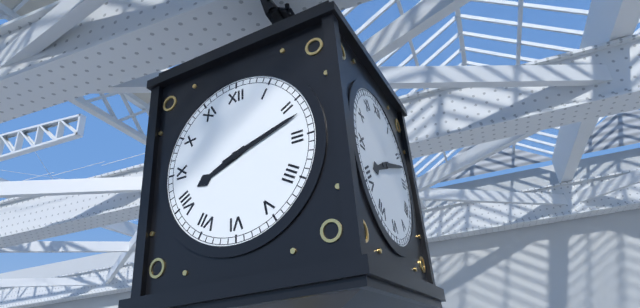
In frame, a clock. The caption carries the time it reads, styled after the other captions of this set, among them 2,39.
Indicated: 8,12
